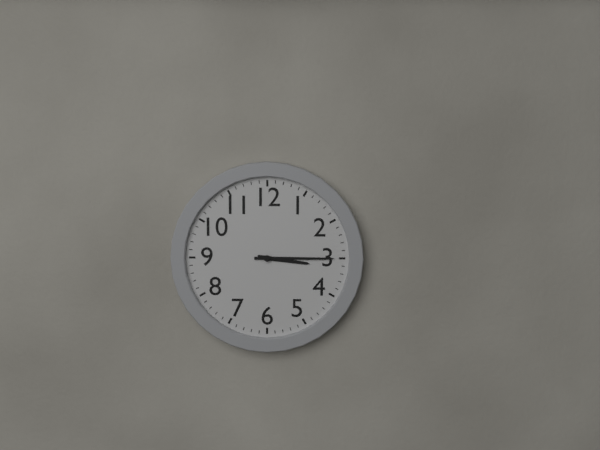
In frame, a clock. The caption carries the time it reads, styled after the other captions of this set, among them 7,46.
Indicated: 3,15
